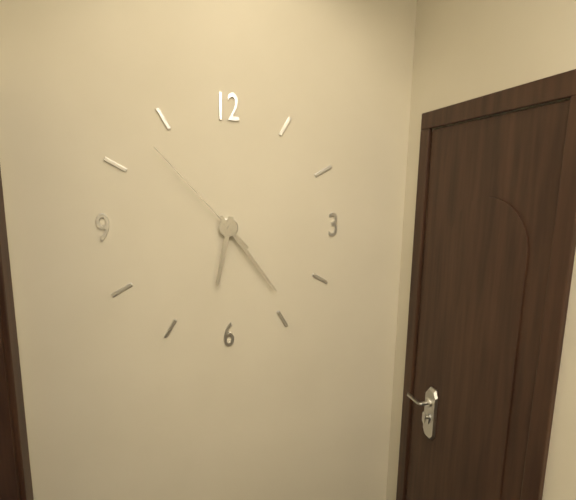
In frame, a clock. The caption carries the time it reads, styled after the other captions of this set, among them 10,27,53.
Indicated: 6,24,53
